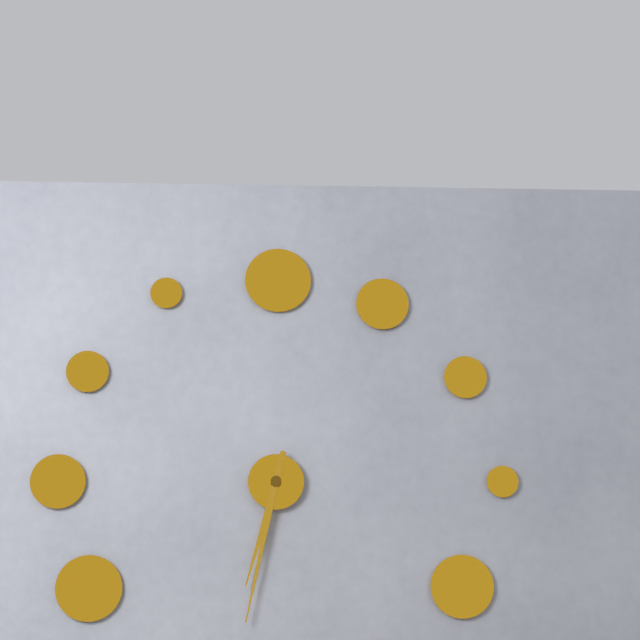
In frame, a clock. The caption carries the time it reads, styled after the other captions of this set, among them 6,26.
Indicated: 6,32
